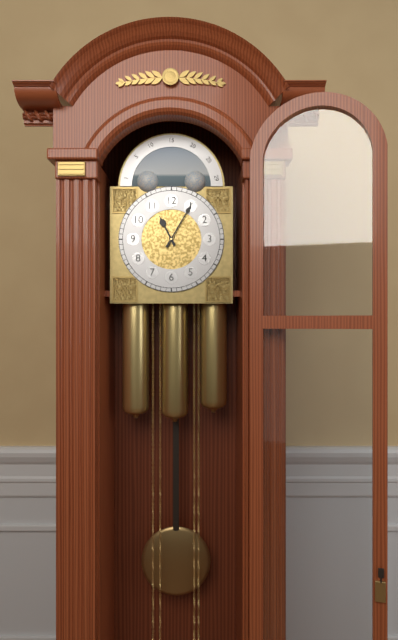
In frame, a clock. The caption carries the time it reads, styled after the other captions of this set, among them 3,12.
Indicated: 11,05
